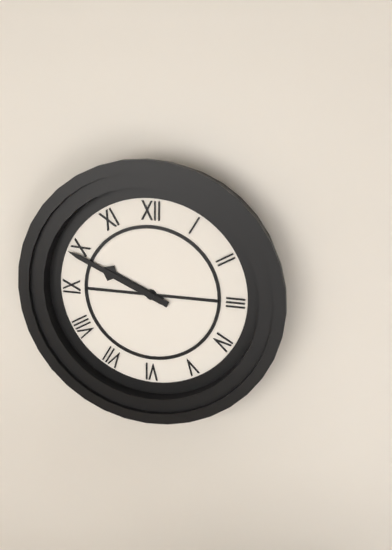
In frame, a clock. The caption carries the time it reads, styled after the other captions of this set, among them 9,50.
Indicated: 9,49
